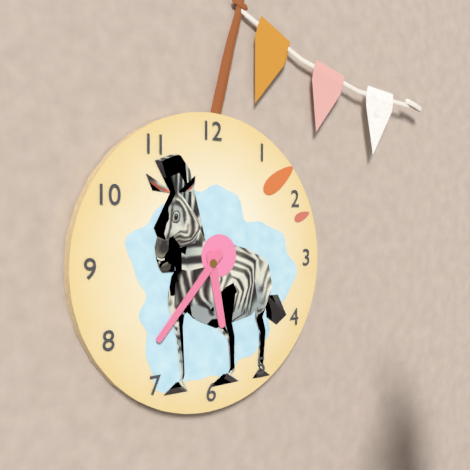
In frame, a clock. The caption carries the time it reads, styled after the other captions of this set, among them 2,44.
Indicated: 5,37
